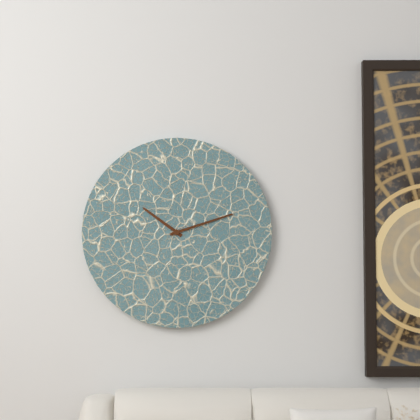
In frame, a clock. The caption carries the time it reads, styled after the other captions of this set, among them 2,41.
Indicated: 10,12
